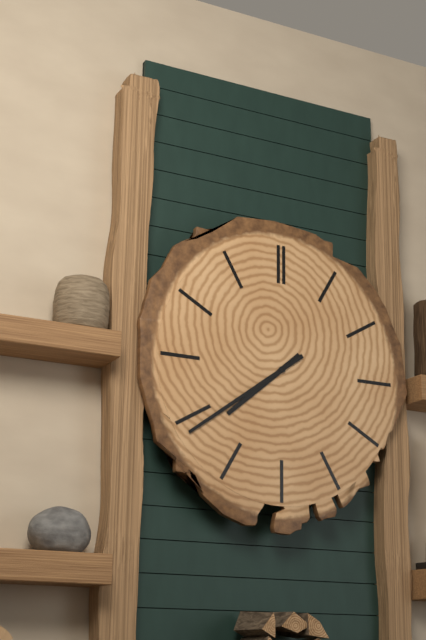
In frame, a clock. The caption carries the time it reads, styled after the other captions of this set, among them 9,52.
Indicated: 7,39
